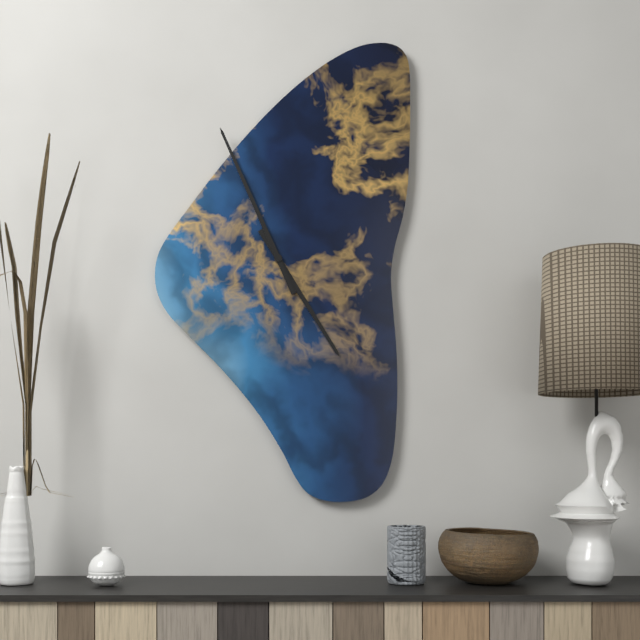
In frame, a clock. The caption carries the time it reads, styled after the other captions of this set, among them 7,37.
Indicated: 4,56
